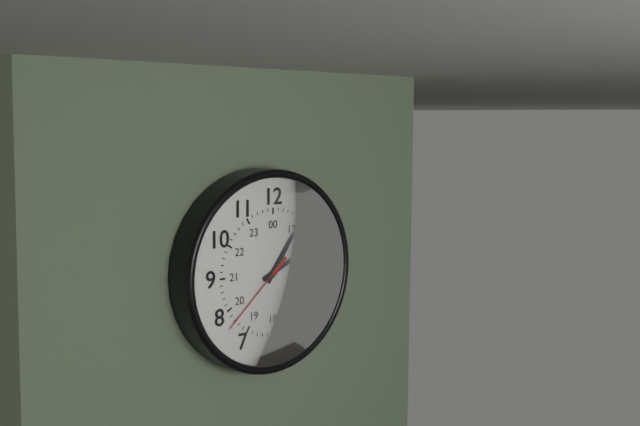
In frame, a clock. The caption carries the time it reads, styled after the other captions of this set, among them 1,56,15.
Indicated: 1,11,38
